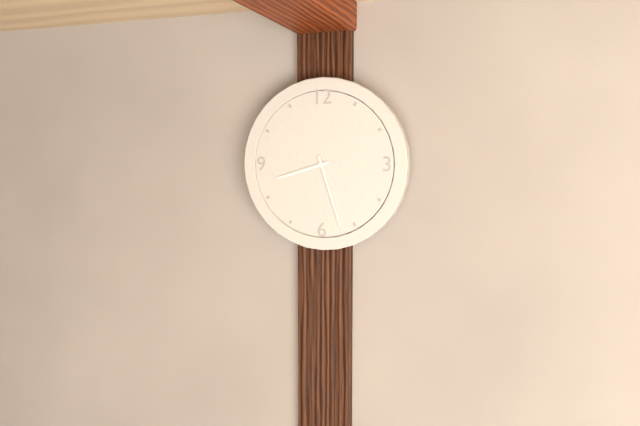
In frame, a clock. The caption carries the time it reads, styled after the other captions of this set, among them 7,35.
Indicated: 8,27
